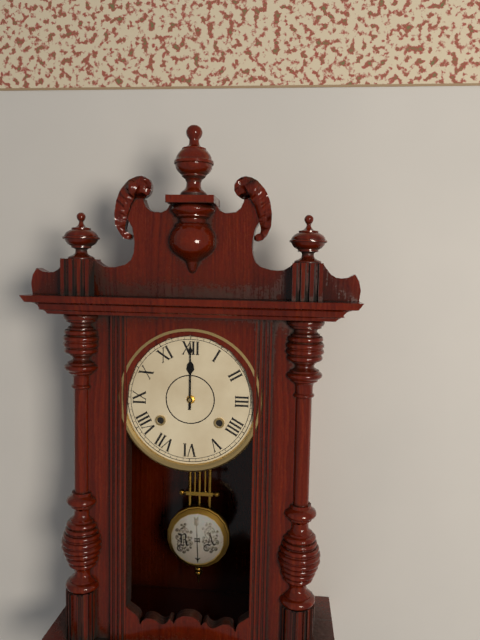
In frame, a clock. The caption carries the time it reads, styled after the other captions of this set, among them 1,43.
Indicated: 12,00
